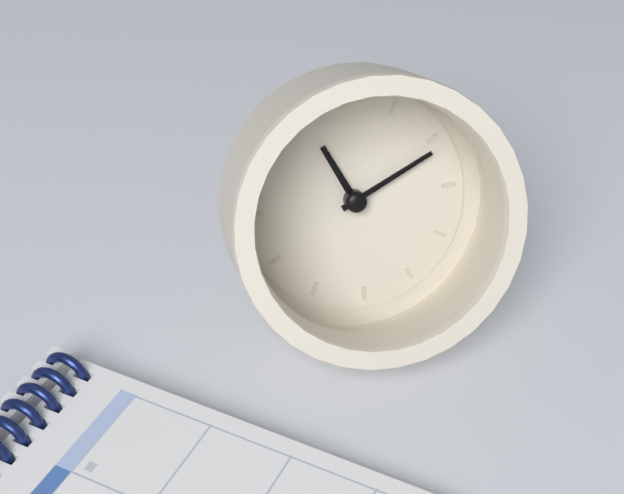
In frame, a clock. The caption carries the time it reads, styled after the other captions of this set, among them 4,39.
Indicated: 11,11
